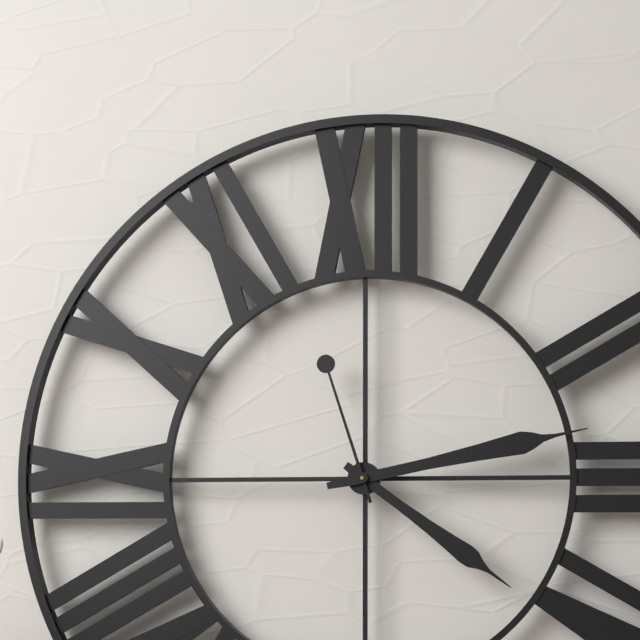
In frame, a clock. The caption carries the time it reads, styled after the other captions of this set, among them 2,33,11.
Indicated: 4,13,57
